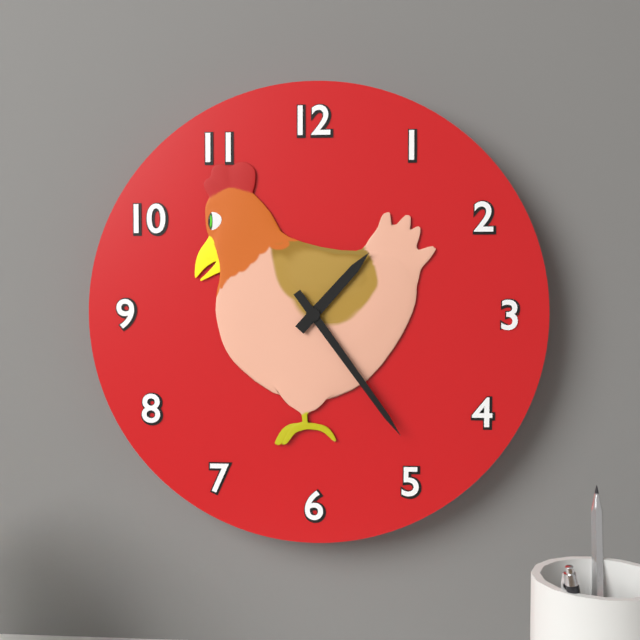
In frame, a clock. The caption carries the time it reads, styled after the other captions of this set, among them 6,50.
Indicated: 1,24
